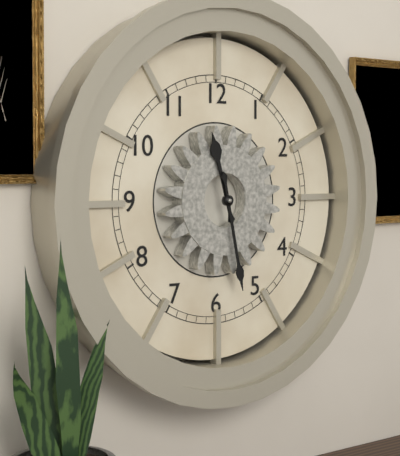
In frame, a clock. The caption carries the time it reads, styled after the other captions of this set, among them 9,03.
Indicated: 11,28
